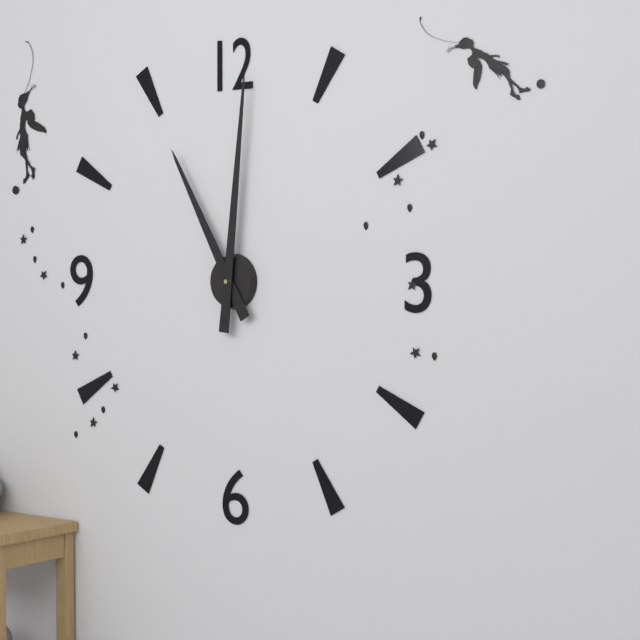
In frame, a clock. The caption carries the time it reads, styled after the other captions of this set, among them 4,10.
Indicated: 11,01
